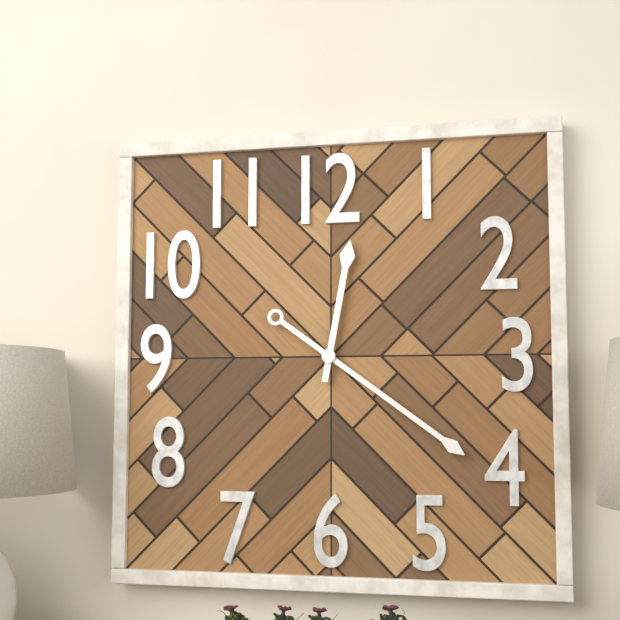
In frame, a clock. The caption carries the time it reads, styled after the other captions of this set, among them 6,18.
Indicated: 12,21
